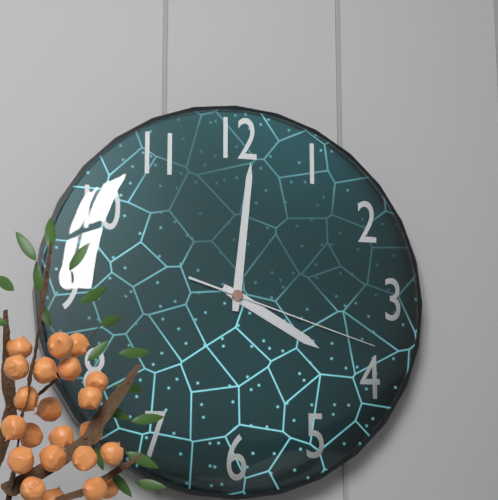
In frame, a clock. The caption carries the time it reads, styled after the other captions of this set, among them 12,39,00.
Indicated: 4,01,18
